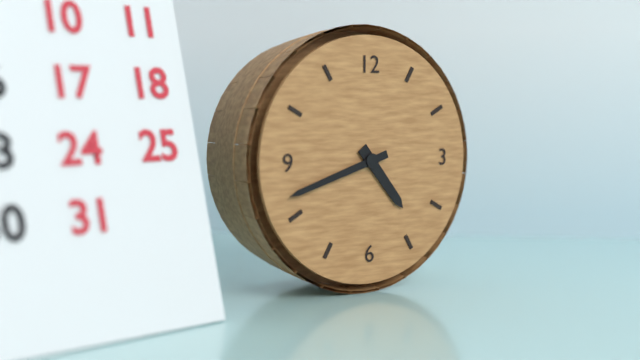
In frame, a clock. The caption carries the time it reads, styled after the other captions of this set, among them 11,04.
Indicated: 4,42
